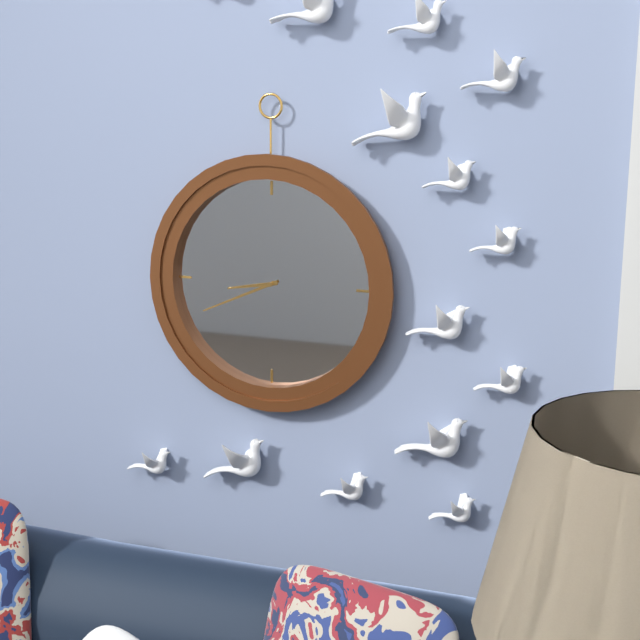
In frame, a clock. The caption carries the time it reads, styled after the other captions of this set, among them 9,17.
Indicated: 8,41
